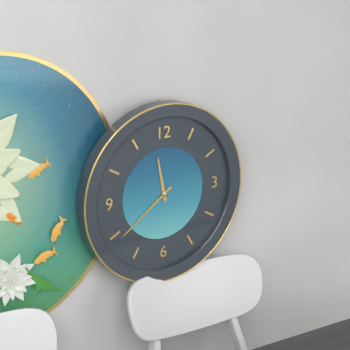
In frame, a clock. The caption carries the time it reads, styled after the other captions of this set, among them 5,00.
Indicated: 11,39
